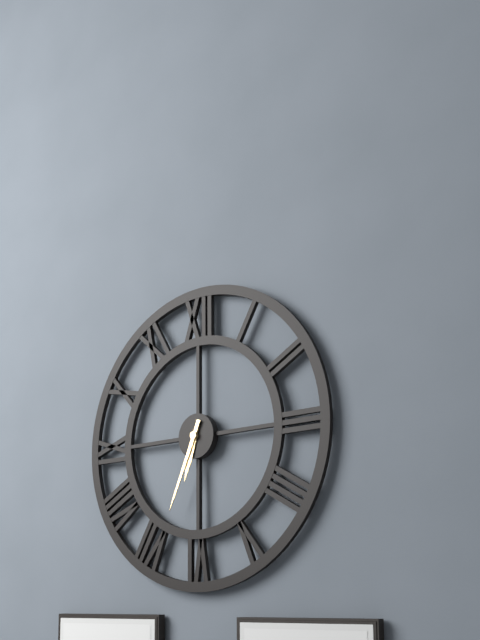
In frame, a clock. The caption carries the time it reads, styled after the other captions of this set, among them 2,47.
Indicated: 6,34
